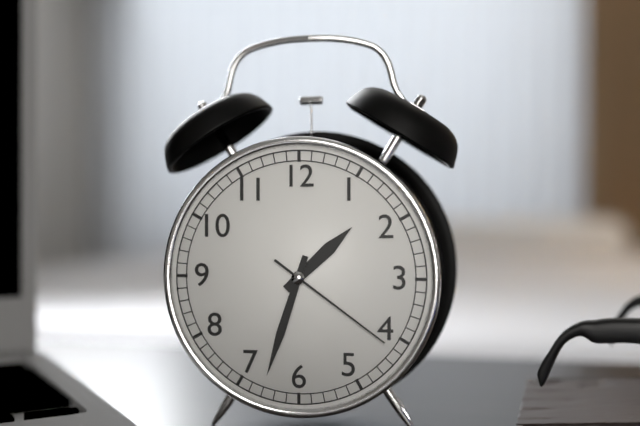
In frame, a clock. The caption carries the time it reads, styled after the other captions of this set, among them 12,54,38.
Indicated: 1,33,21
